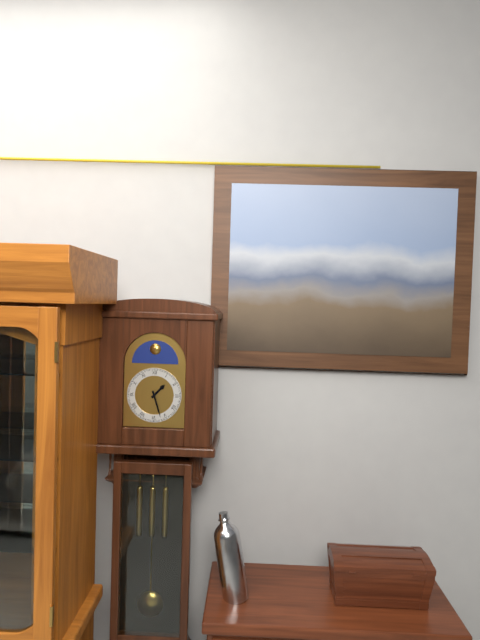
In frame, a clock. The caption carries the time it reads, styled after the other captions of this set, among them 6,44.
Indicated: 1,27
